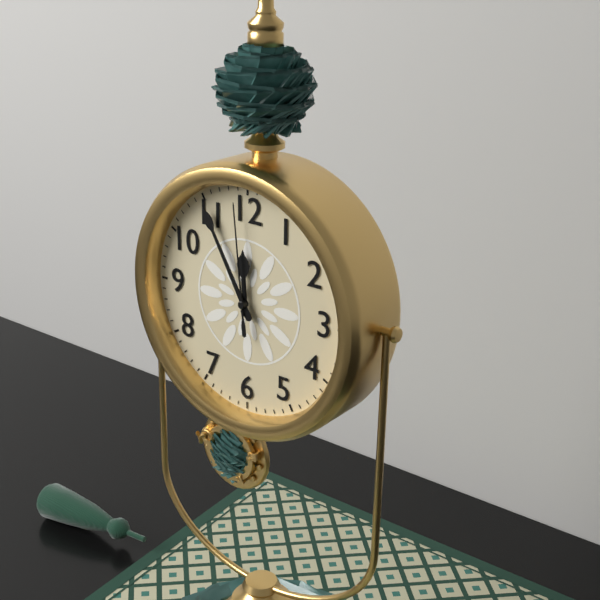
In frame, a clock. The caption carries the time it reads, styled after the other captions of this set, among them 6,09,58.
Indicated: 11,55,59
